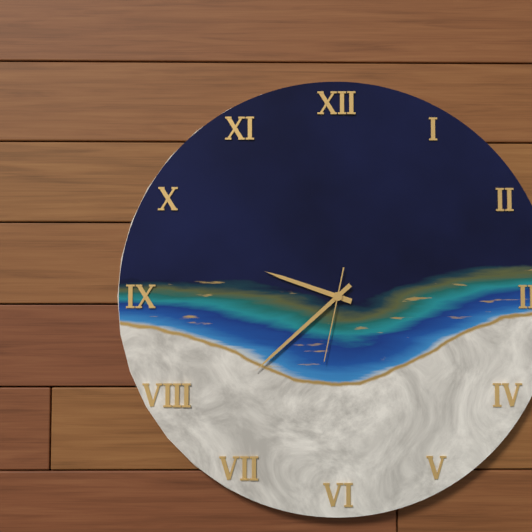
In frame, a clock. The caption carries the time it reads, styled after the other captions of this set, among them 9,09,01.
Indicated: 9,38,32
